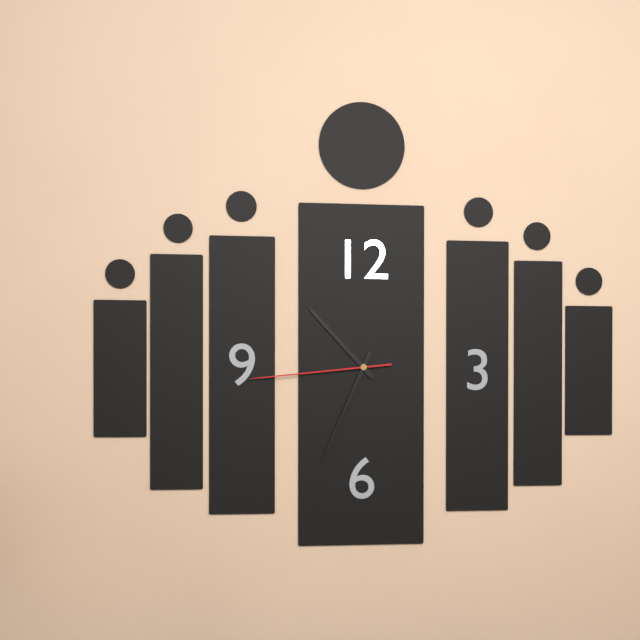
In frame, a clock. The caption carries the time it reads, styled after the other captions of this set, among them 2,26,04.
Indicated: 10,34,44
